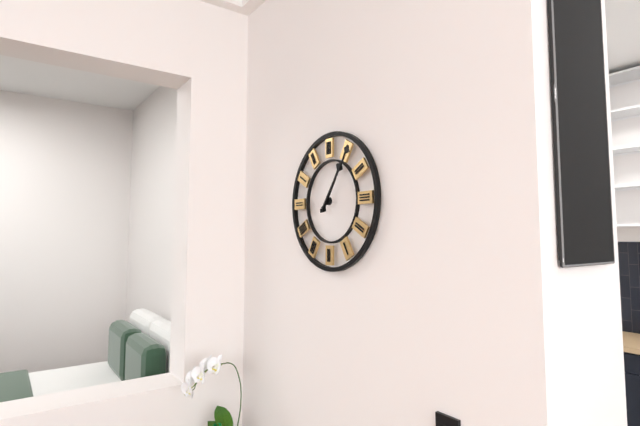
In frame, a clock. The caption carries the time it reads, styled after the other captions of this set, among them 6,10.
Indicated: 1,06
